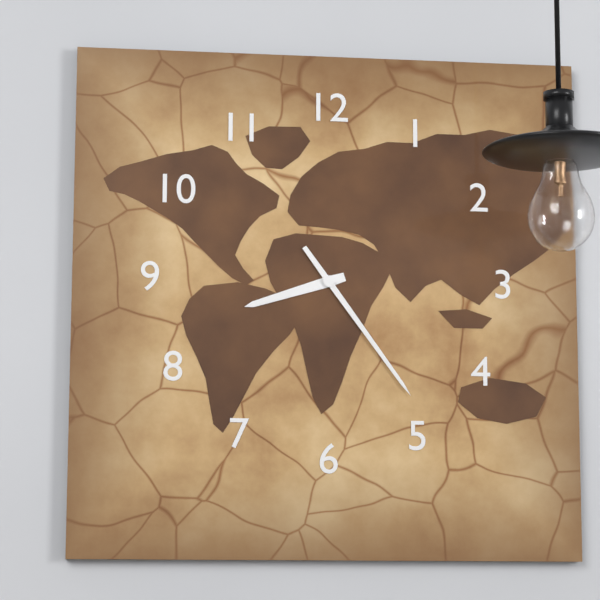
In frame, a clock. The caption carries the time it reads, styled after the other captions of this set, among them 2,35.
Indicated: 8,24
